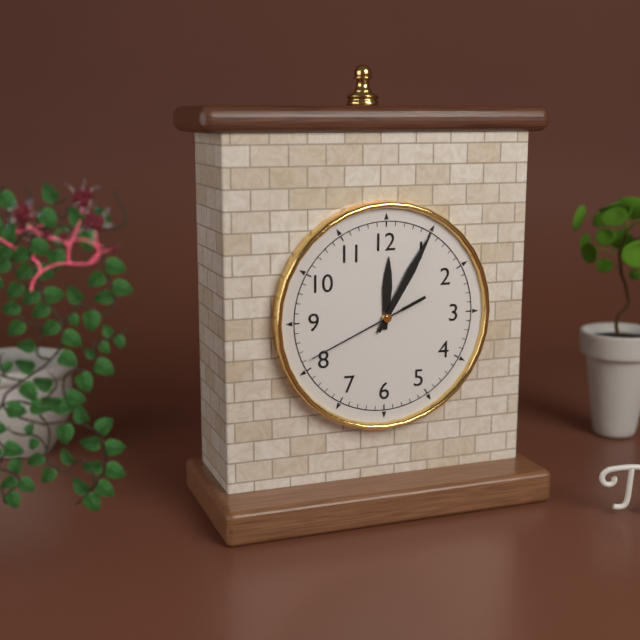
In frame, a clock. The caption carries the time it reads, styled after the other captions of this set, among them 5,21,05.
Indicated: 12,05,41
